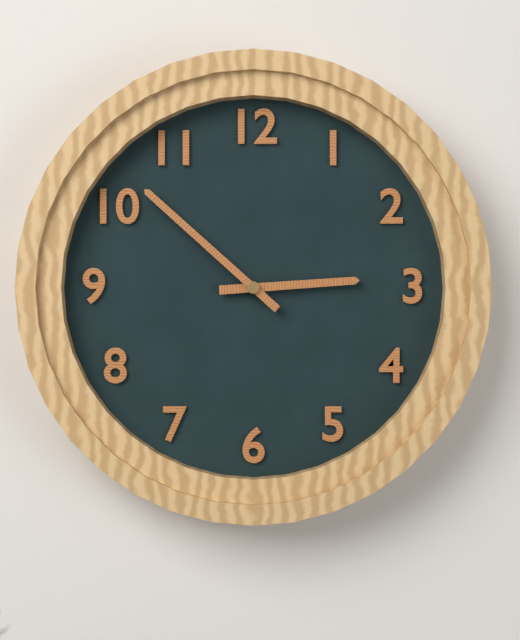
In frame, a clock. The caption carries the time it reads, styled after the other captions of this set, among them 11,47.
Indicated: 2,52
